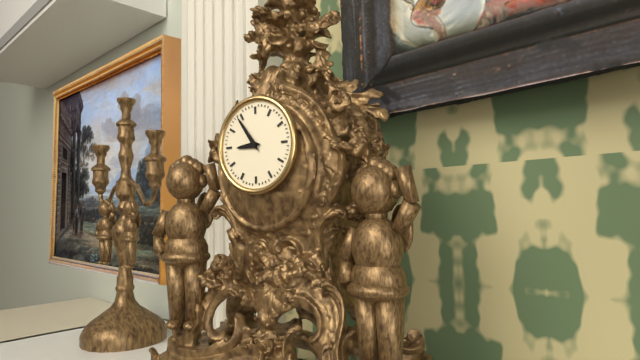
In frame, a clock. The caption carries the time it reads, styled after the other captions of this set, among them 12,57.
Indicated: 8,54
